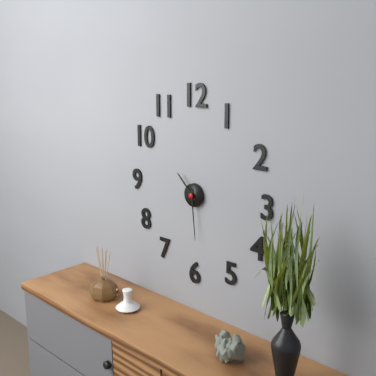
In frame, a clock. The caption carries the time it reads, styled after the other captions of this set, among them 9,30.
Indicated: 10,29
